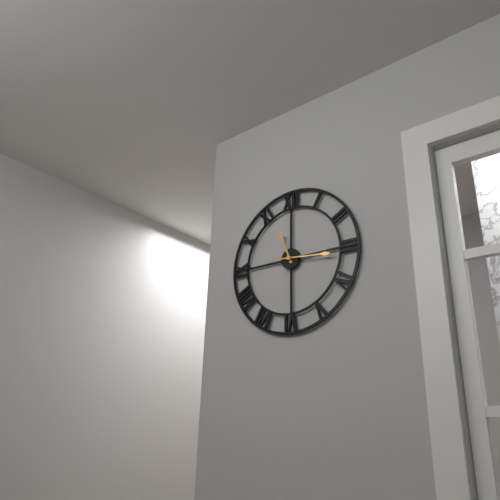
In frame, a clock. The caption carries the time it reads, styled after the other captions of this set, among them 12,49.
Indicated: 11,16
